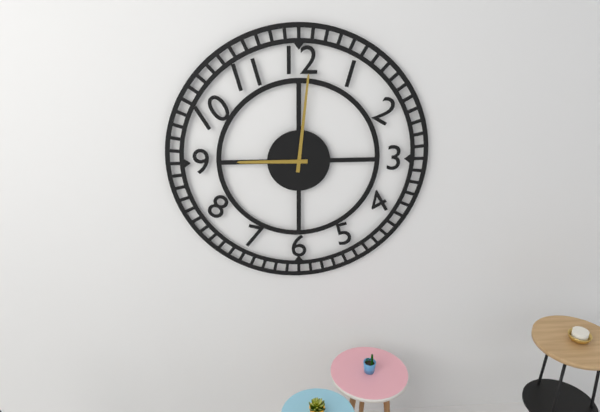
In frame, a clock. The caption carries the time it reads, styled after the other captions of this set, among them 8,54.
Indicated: 9,01
